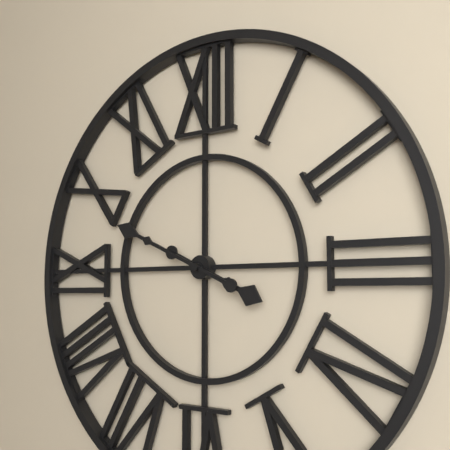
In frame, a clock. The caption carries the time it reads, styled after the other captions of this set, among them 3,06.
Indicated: 3,49
